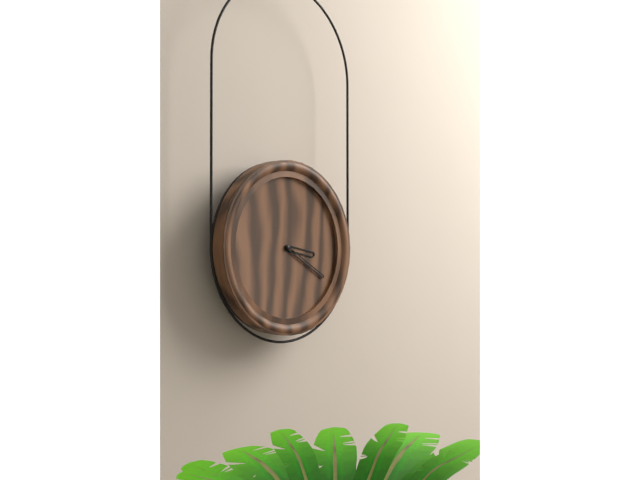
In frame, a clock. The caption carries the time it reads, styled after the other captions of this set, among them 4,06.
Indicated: 3,20
